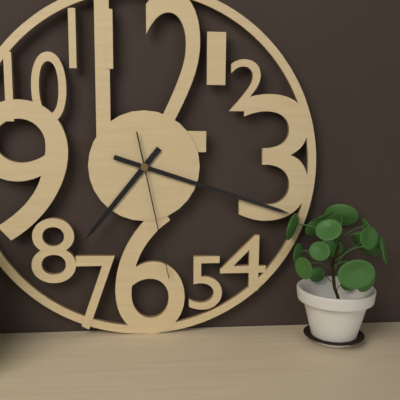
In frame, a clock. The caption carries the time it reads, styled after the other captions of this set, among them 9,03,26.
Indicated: 7,18,28
